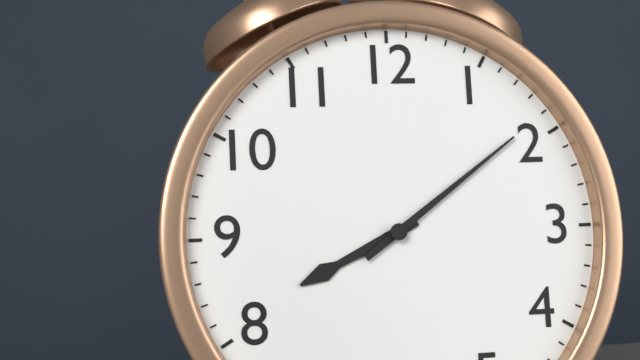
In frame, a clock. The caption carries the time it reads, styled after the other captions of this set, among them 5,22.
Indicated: 8,09
